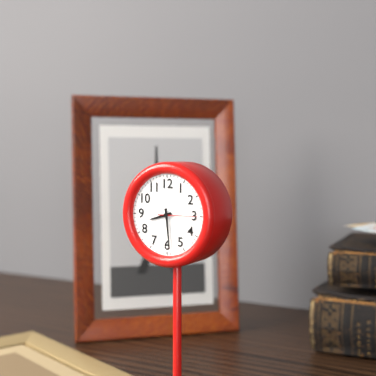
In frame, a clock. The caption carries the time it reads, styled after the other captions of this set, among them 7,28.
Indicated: 8,29
